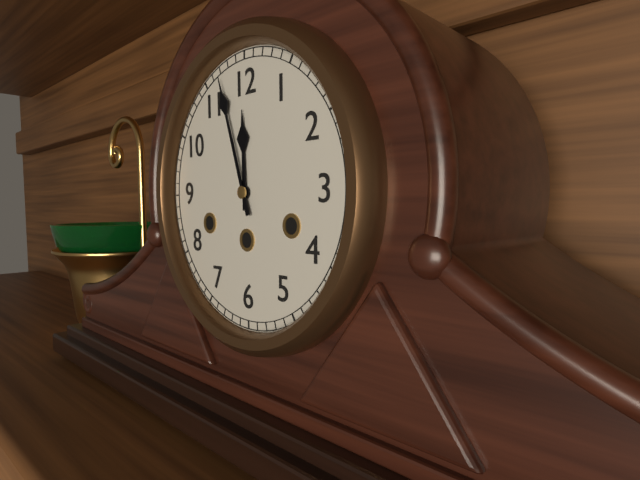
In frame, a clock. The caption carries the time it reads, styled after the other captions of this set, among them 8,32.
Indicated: 11,57
